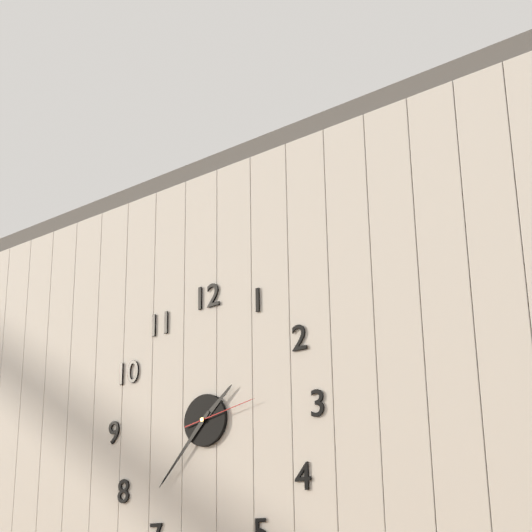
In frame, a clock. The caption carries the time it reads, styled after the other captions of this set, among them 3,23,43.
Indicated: 1,37,13
